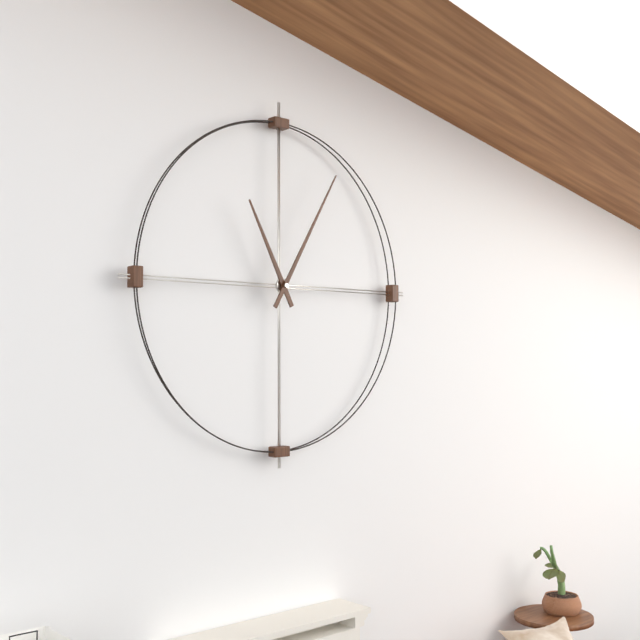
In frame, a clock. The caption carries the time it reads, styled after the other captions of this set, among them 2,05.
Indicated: 11,05
